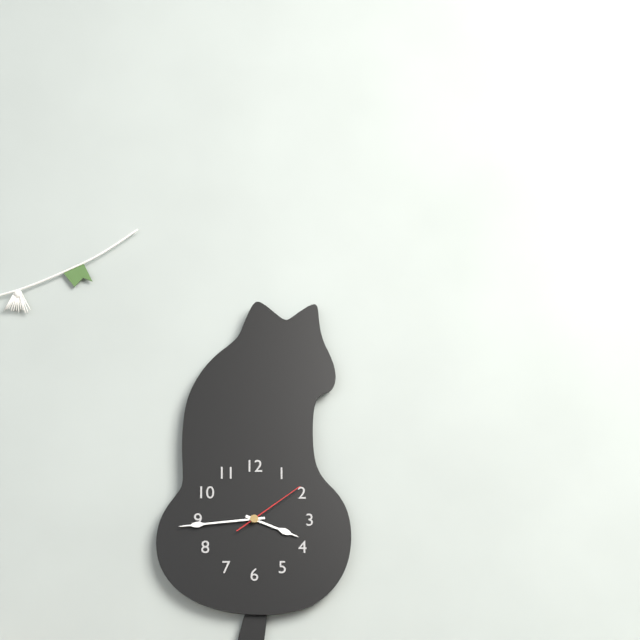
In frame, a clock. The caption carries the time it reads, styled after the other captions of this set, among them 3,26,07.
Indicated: 3,44,09
